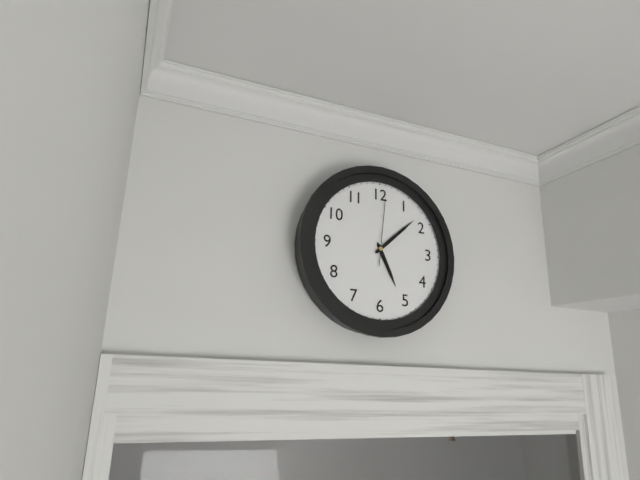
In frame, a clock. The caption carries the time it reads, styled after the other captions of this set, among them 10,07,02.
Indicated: 5,08,01
